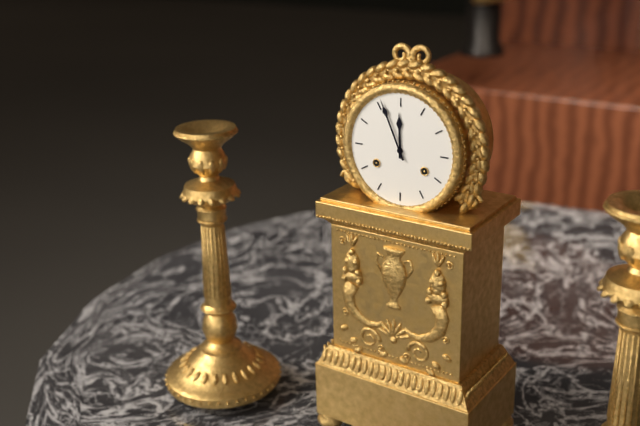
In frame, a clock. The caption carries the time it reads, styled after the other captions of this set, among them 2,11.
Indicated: 11,56
